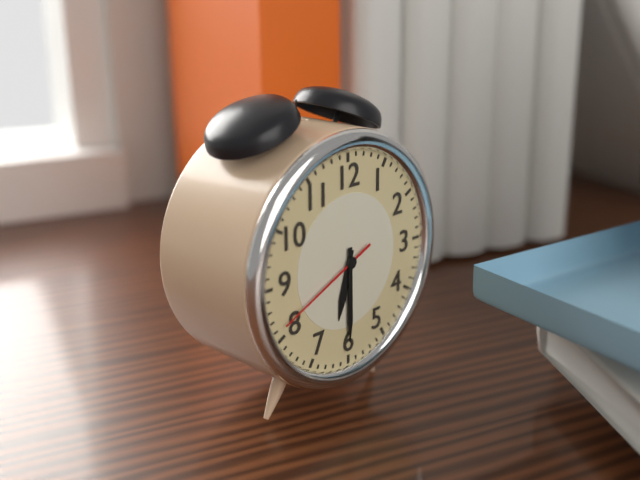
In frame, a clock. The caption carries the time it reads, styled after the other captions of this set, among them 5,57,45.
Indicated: 6,30,41
